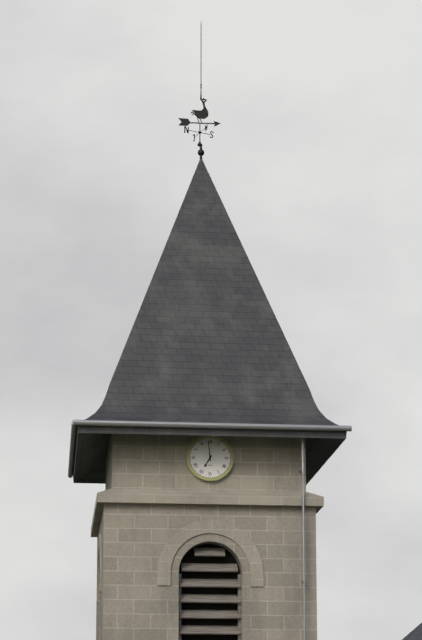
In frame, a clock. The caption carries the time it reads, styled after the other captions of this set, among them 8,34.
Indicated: 6,59
